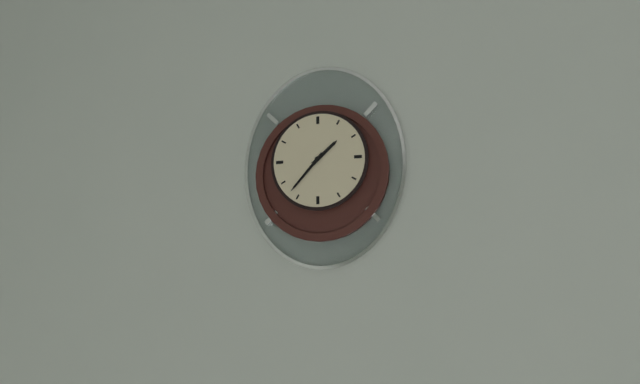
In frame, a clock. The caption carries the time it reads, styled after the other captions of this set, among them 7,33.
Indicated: 1,37
